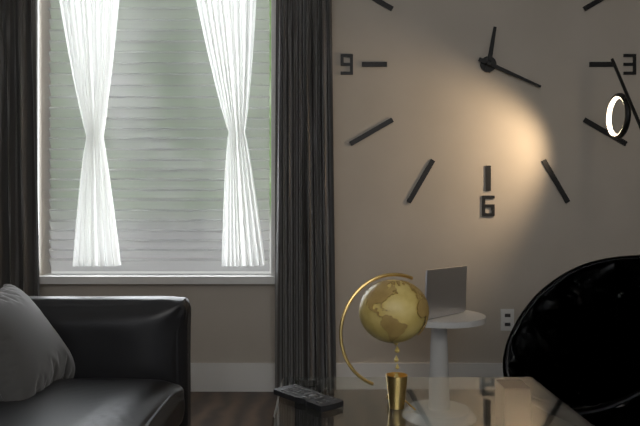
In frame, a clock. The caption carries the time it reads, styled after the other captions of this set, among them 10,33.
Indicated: 12,19
